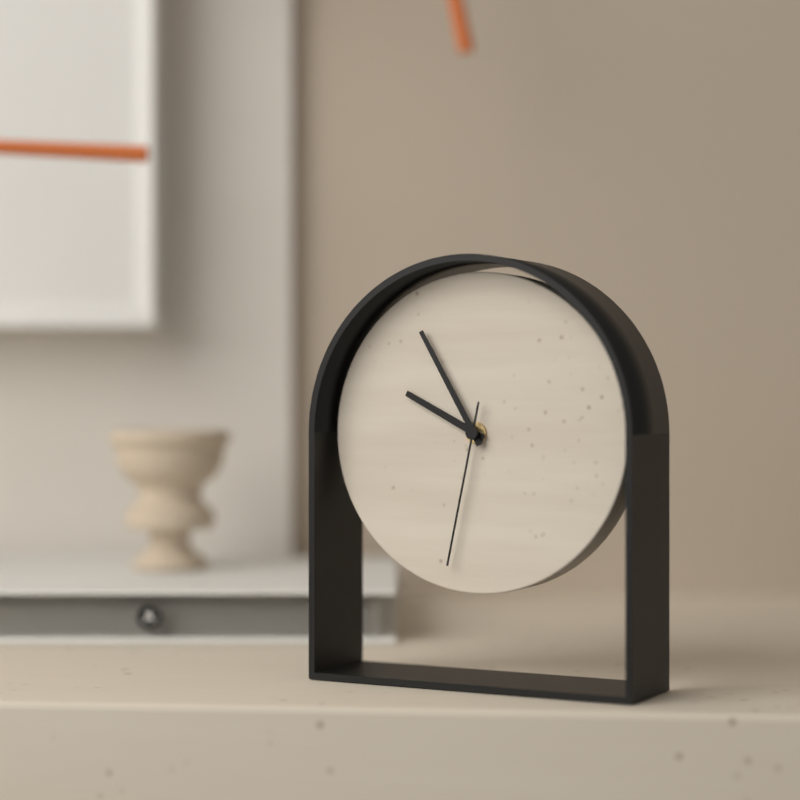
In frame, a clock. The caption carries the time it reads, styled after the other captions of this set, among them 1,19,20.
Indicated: 9,55,32
